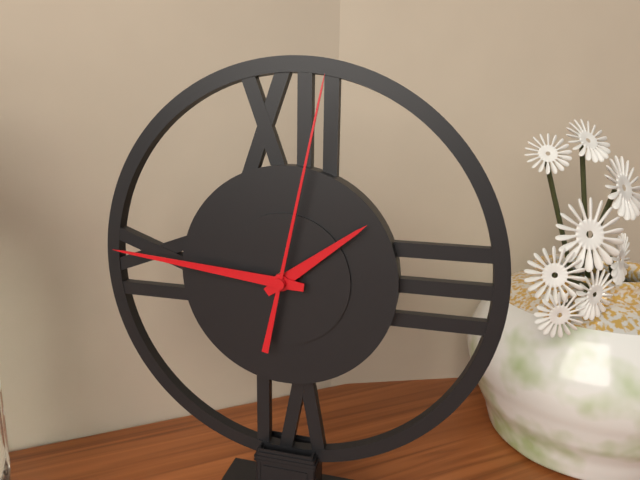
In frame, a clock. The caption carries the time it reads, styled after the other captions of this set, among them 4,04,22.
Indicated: 1,46,02
